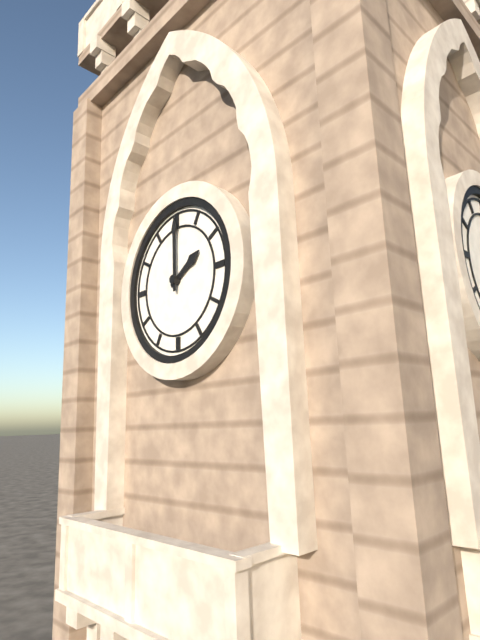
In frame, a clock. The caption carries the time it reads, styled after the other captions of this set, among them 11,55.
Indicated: 2,00
